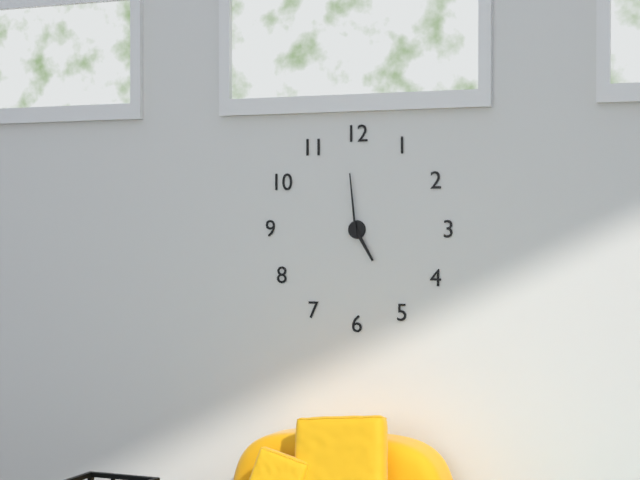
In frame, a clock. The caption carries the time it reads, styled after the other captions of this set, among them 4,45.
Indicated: 4,59
